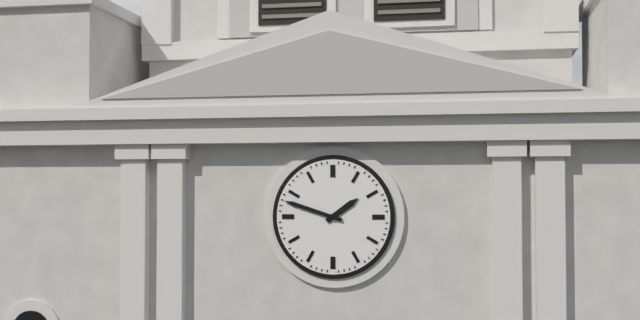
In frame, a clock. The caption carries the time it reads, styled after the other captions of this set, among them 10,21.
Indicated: 1,48
